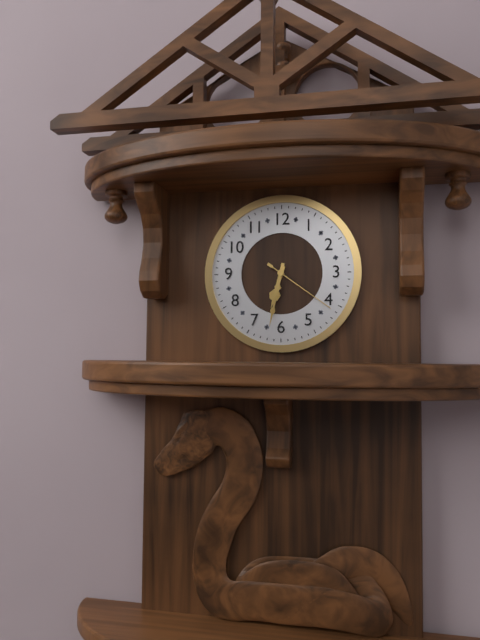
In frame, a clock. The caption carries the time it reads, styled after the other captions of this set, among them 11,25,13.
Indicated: 6,32,21
